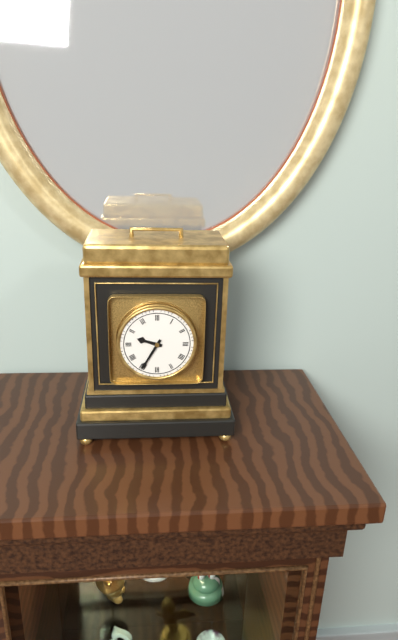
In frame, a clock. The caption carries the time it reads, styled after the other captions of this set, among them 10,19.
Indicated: 9,35
